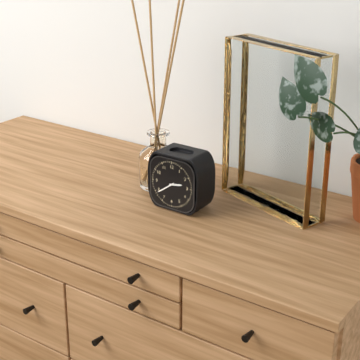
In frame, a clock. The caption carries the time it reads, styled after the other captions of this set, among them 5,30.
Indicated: 2,39
